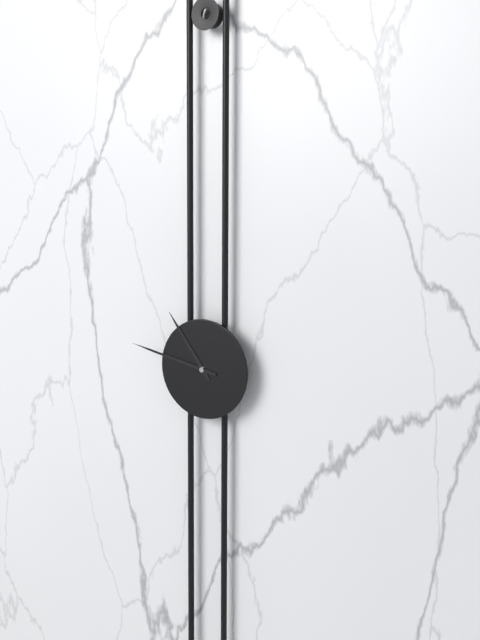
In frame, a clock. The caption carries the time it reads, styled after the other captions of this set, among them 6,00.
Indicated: 10,47
